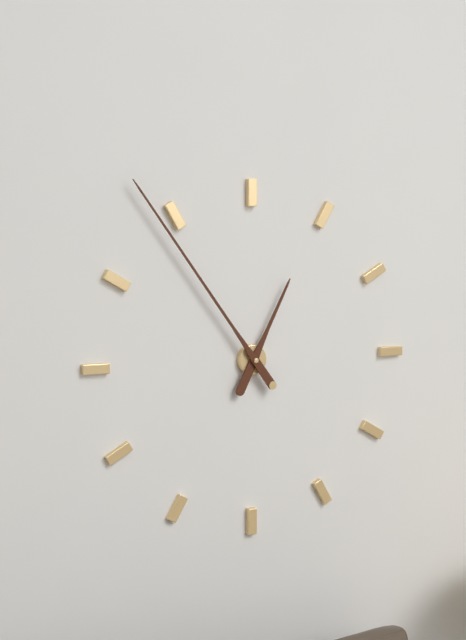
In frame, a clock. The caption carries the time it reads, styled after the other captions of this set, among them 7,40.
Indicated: 12,54
